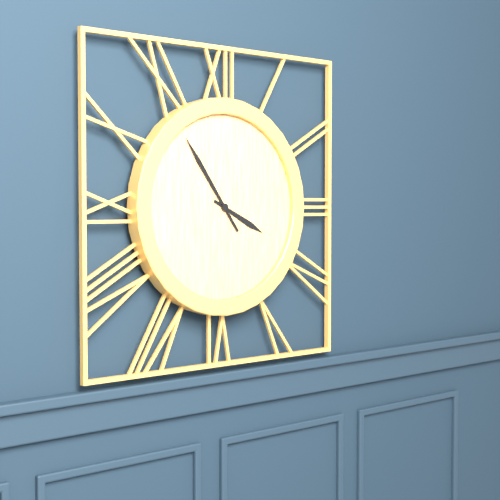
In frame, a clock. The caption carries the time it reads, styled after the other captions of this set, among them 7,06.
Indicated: 3,54
